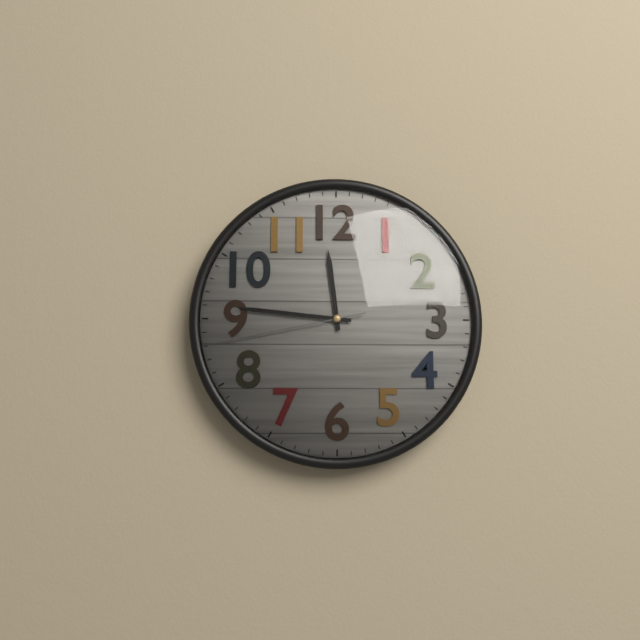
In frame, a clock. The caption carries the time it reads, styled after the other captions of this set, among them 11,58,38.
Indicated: 11,46,43
